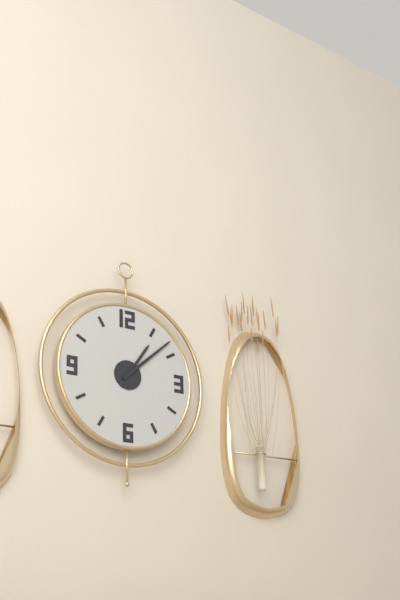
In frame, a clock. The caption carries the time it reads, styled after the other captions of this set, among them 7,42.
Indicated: 1,08
